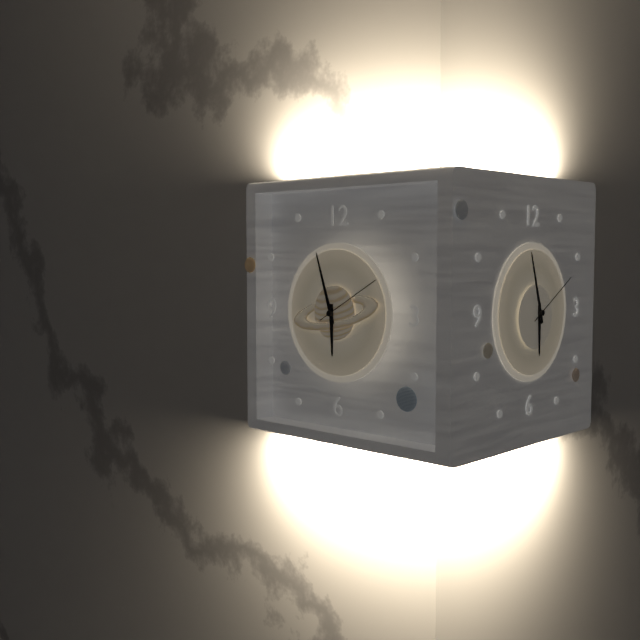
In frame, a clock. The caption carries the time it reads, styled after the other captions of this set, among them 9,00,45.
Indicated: 5,57,10
